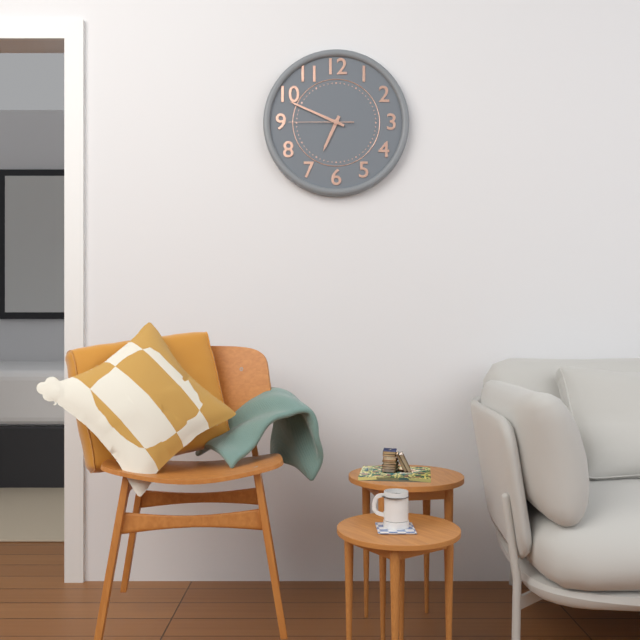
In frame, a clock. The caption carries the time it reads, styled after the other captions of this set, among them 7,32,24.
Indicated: 6,49,45
